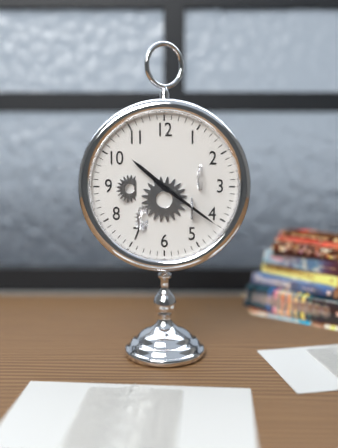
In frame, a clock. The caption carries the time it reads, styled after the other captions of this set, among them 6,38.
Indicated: 10,21
